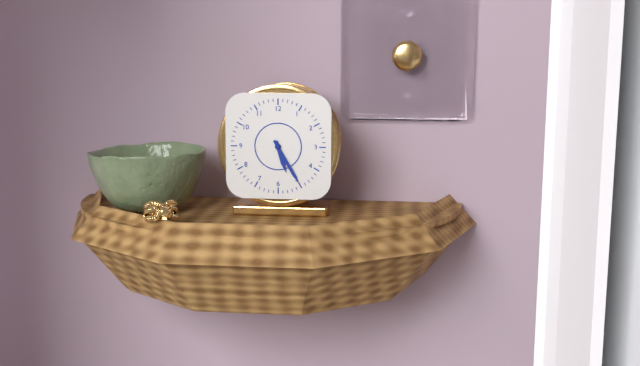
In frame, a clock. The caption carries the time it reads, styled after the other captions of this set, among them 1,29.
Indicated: 5,25
